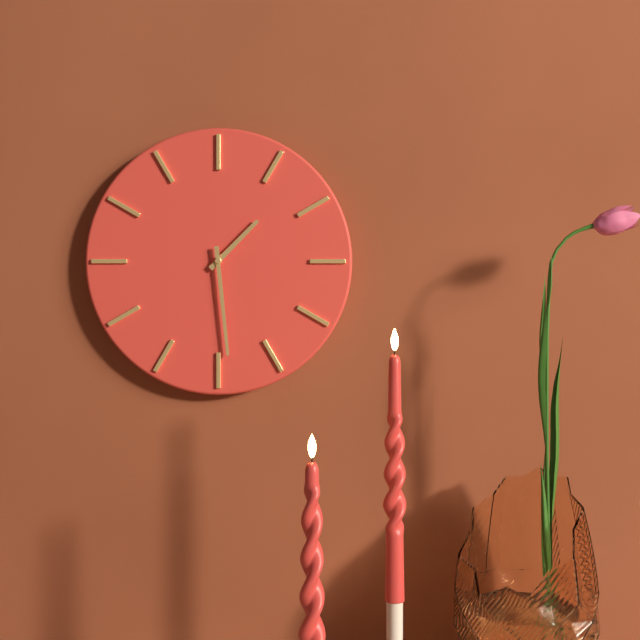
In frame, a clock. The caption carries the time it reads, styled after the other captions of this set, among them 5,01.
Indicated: 1,29
